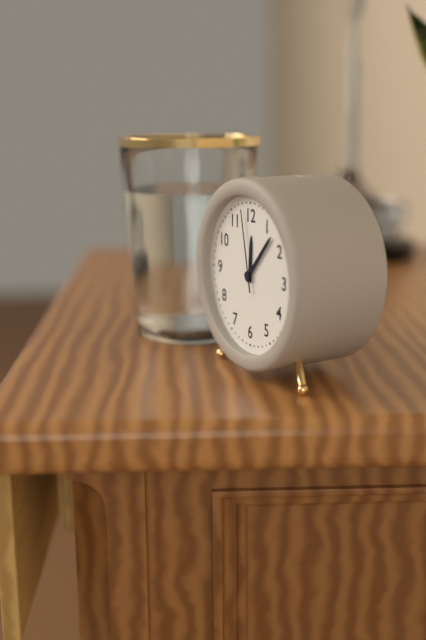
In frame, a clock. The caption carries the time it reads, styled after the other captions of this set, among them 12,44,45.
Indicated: 12,07,58
